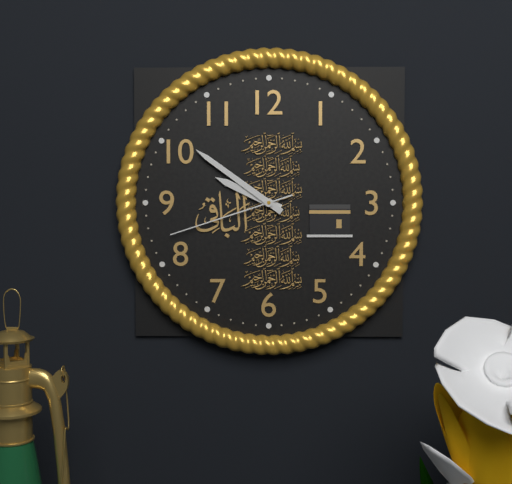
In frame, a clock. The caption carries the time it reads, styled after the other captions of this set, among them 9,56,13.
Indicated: 9,51,42
